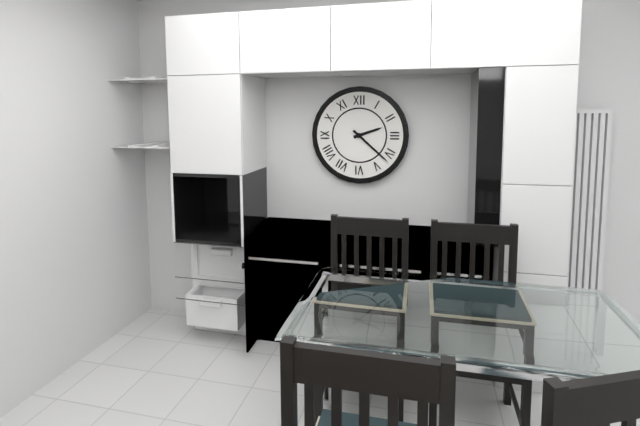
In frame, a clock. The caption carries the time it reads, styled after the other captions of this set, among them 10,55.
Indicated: 2,22
